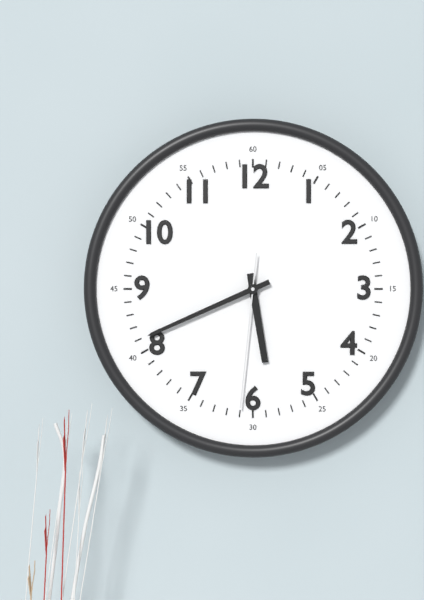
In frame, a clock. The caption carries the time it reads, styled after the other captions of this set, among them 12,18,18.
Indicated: 5,41,31
